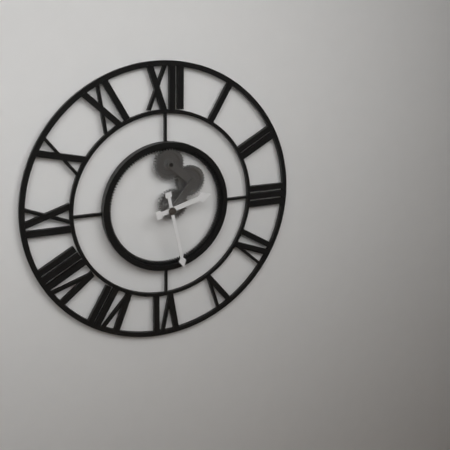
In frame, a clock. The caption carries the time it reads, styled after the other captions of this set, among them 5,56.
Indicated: 2,28
